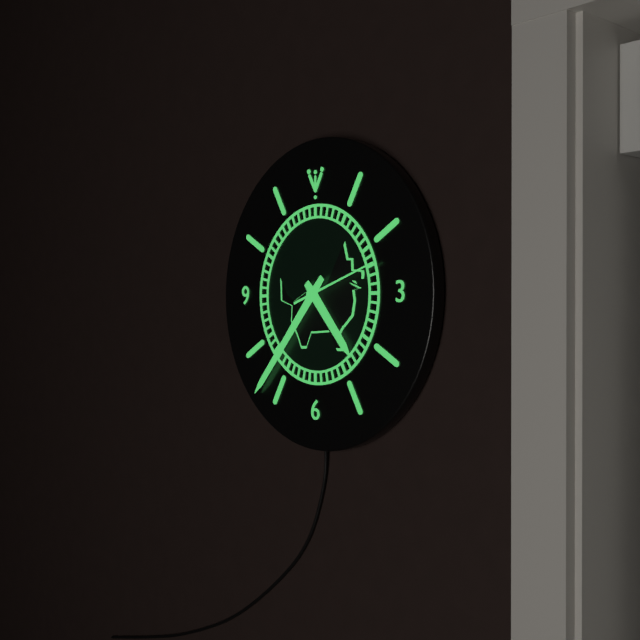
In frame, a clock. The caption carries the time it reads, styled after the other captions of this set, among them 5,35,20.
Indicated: 4,37,12
